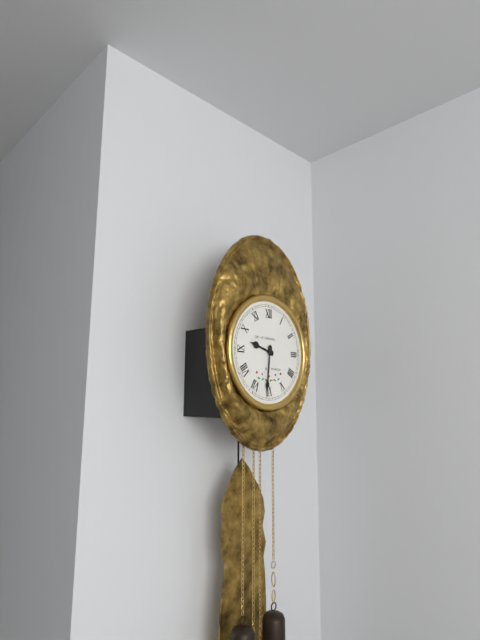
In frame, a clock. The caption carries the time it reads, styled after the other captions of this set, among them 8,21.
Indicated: 9,31
